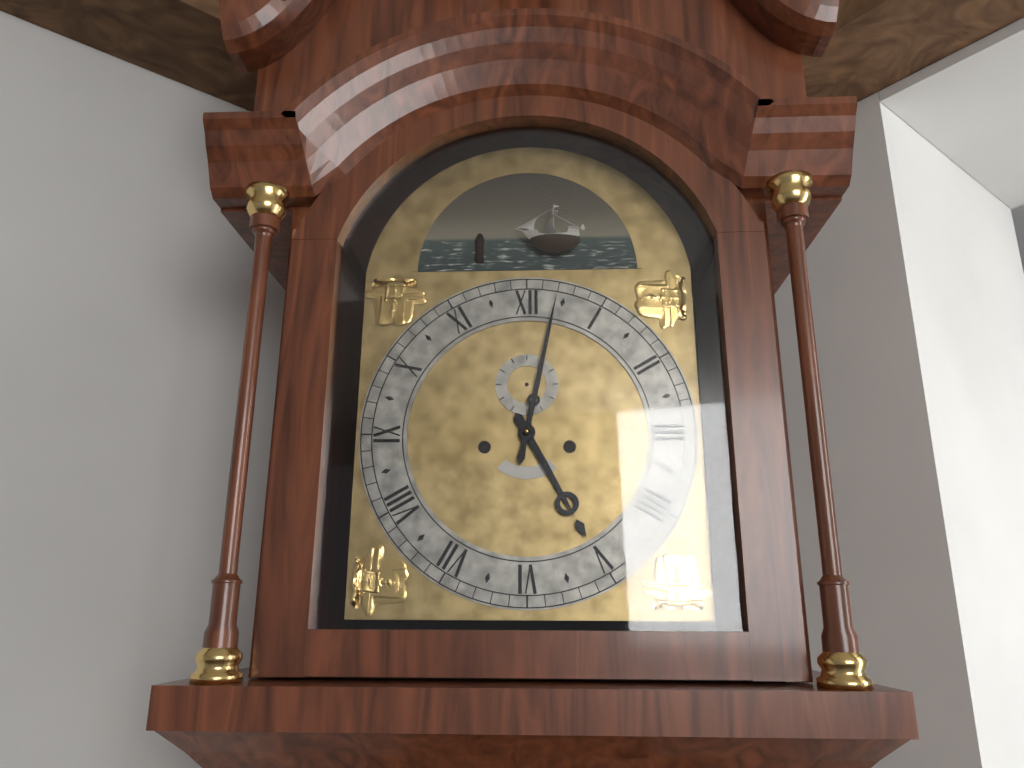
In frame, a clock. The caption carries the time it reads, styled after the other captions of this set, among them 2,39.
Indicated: 5,02
